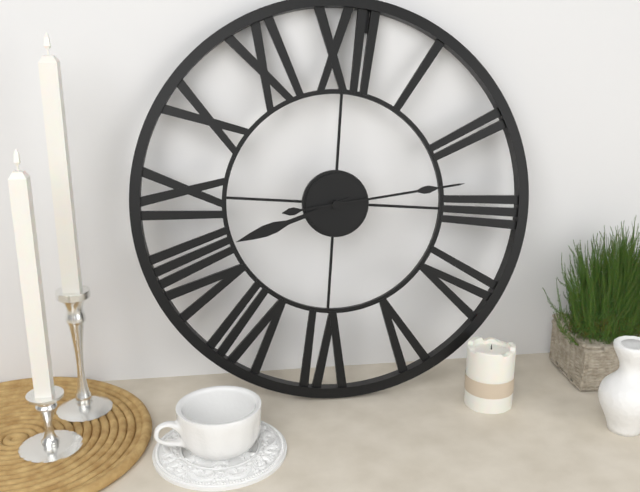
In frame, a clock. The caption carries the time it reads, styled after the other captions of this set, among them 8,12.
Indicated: 8,13
